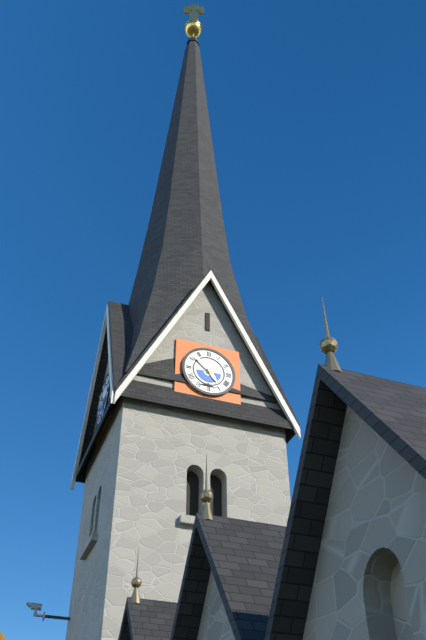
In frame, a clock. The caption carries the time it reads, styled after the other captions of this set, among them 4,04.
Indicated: 4,52
